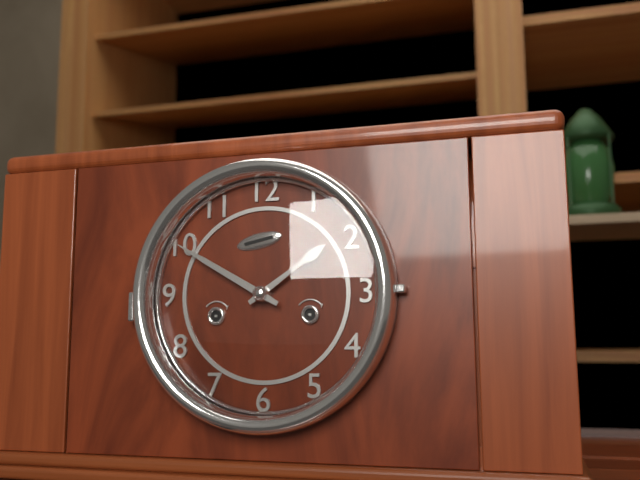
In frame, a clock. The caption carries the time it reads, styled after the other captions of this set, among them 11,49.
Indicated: 1,50
